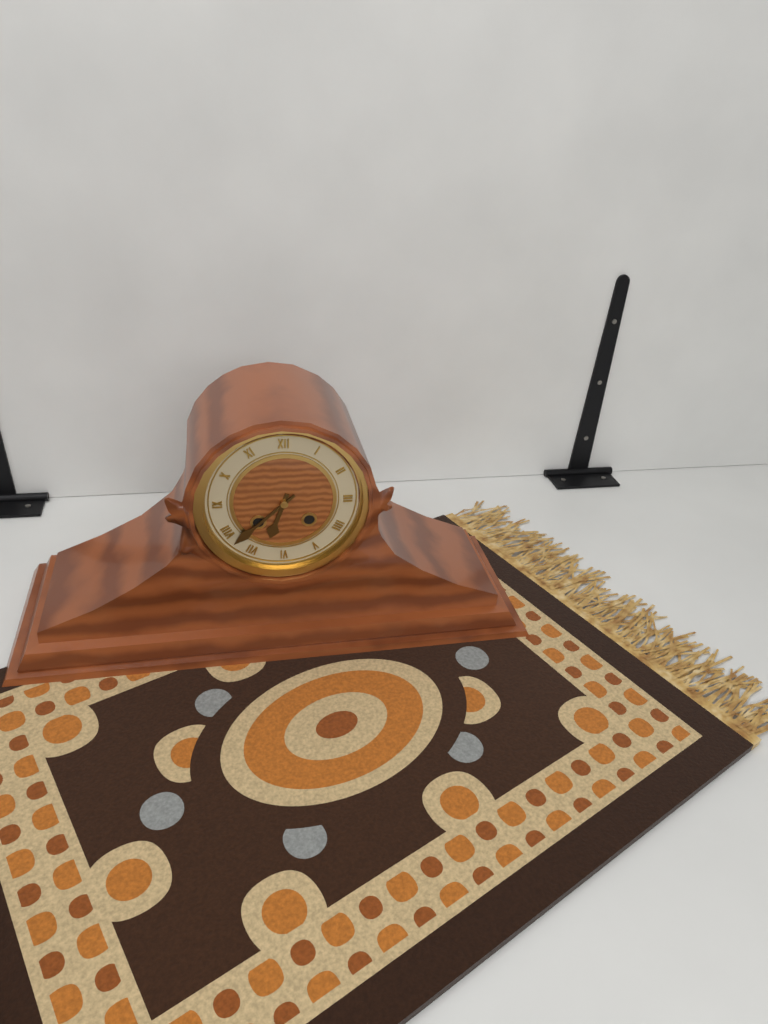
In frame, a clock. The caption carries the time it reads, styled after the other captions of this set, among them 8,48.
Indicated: 6,38
